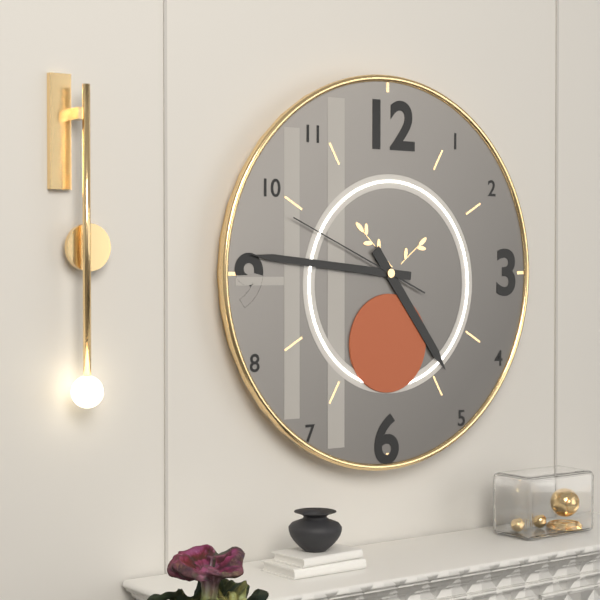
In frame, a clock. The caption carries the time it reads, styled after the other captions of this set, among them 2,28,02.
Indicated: 4,46,49
